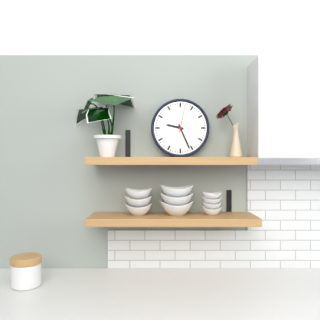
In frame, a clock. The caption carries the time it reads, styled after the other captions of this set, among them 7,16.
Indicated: 9,26
